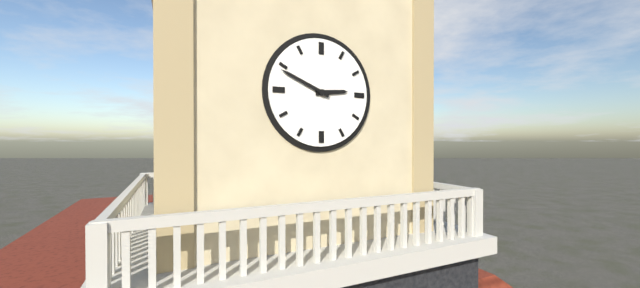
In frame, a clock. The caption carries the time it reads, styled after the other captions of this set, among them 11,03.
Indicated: 2,49
